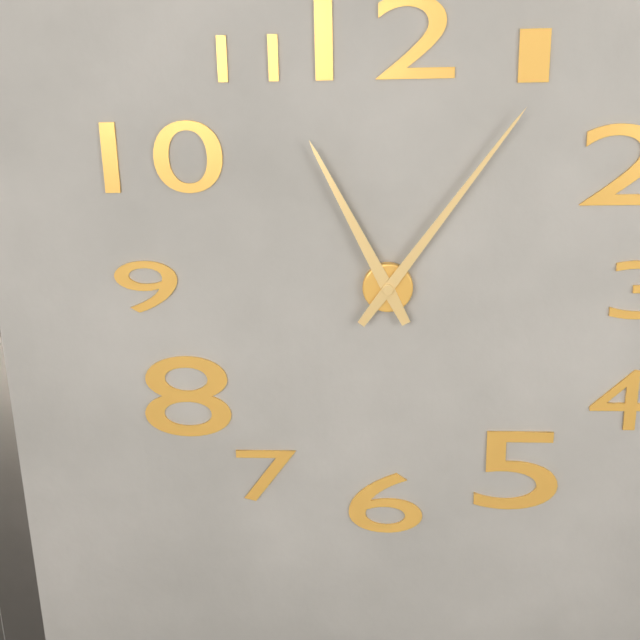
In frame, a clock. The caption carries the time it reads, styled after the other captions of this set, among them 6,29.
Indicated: 11,06
